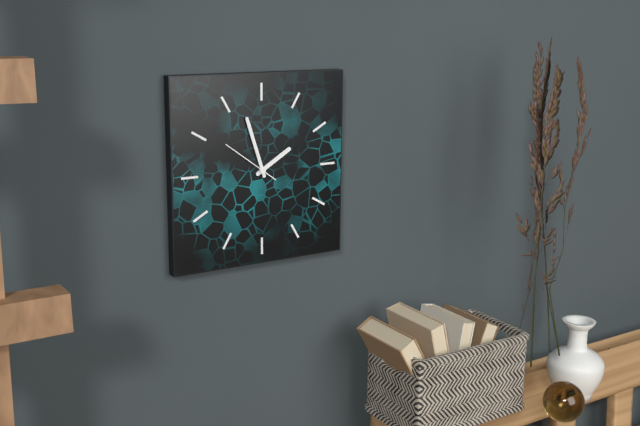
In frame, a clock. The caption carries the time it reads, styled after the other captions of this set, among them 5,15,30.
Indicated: 1,57,51
